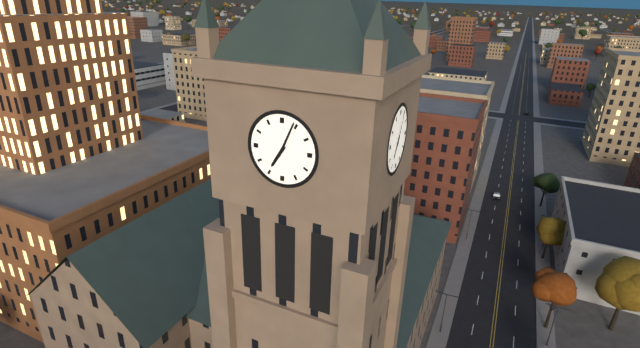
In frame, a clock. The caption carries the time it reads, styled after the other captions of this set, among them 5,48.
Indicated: 7,04
